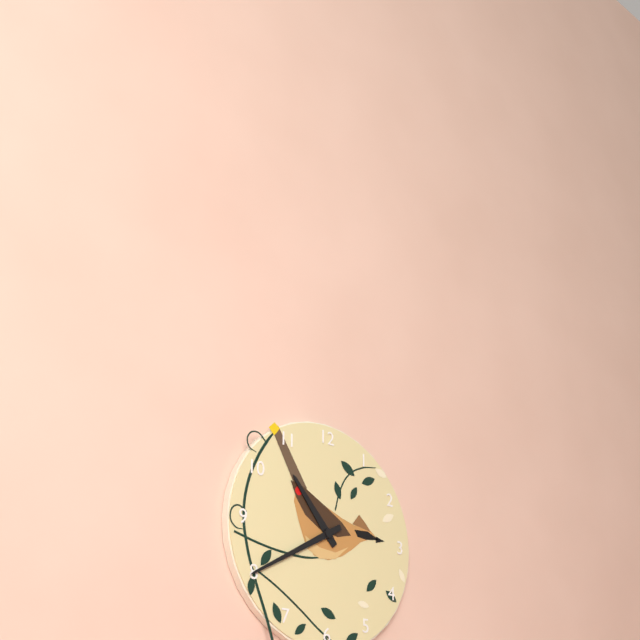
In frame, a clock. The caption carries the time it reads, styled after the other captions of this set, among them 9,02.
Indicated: 10,40
